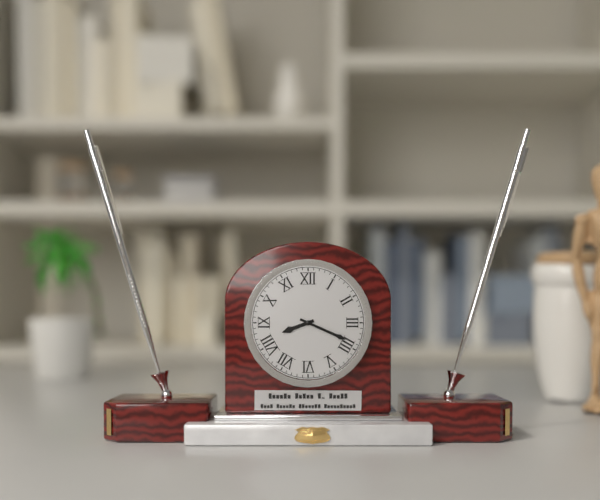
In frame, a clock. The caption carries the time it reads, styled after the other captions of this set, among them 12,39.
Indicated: 8,19
